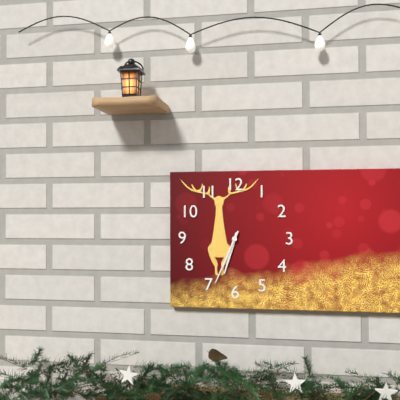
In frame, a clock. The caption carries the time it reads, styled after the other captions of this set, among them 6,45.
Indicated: 6,34
